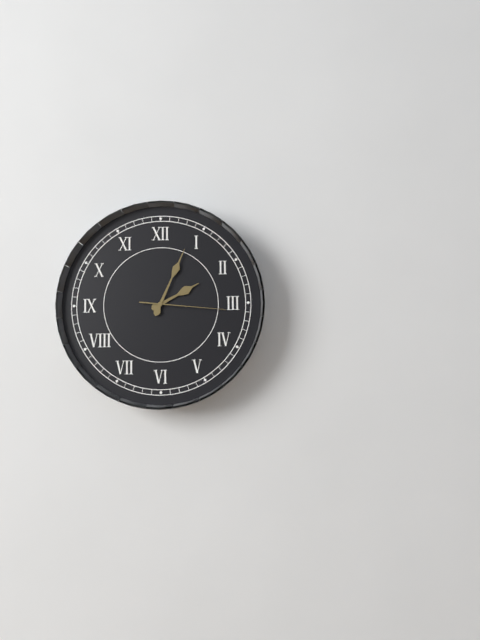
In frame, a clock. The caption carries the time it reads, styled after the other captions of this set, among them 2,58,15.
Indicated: 2,04,16
